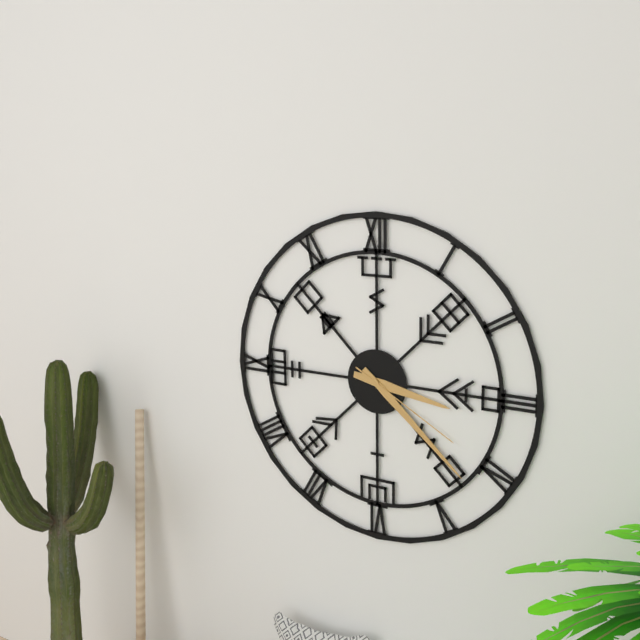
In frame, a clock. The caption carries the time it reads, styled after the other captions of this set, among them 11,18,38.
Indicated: 3,22,20
